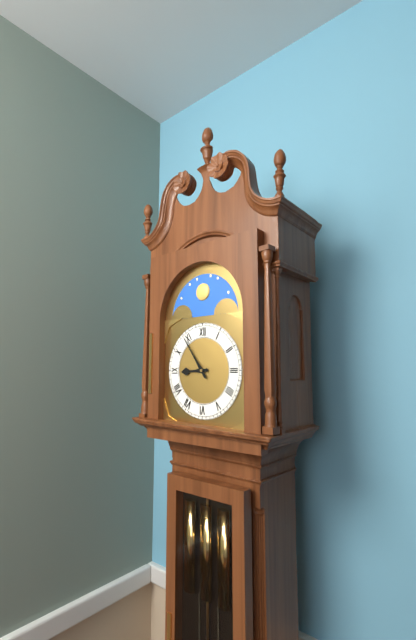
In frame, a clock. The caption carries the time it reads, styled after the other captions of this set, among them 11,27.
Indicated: 8,54
